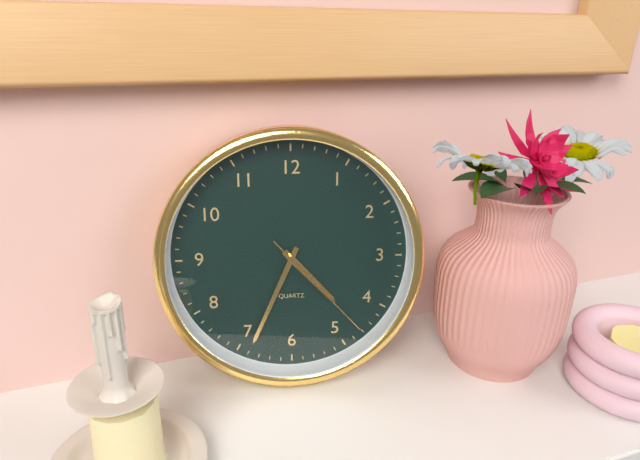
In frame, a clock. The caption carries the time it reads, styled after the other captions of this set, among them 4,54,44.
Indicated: 4,34,23
